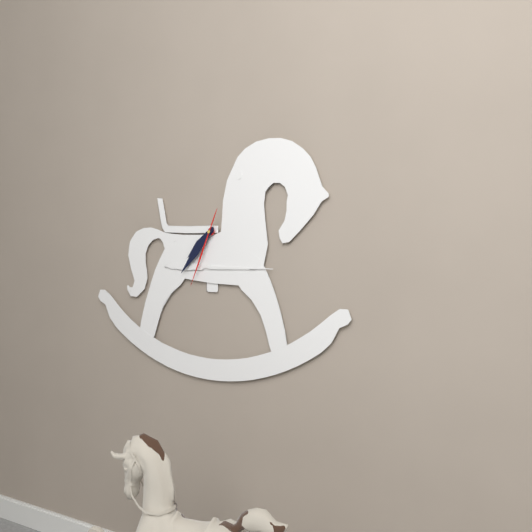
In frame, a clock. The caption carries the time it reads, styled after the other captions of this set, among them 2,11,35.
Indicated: 7,37,34
